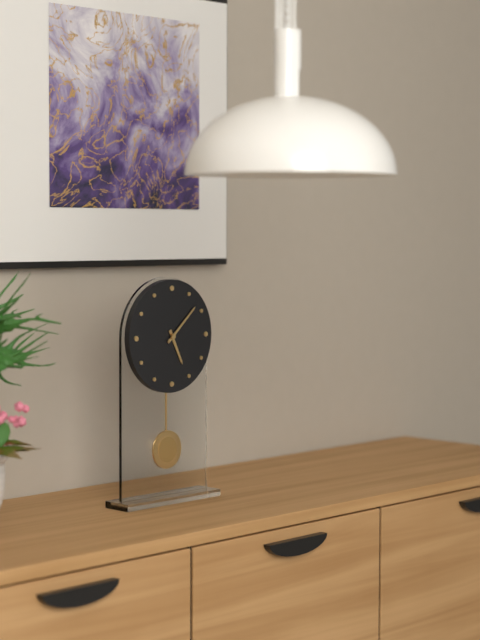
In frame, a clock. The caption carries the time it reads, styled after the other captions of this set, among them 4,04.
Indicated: 5,08
